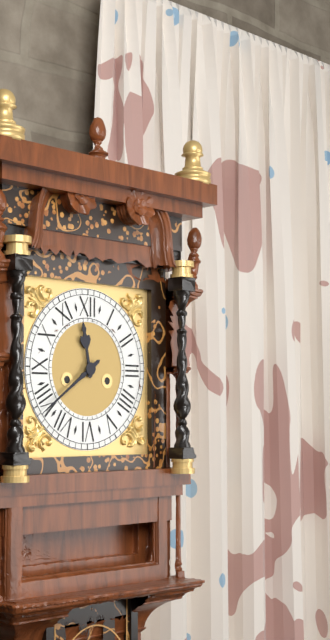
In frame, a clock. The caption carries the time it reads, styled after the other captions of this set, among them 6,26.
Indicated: 11,39
